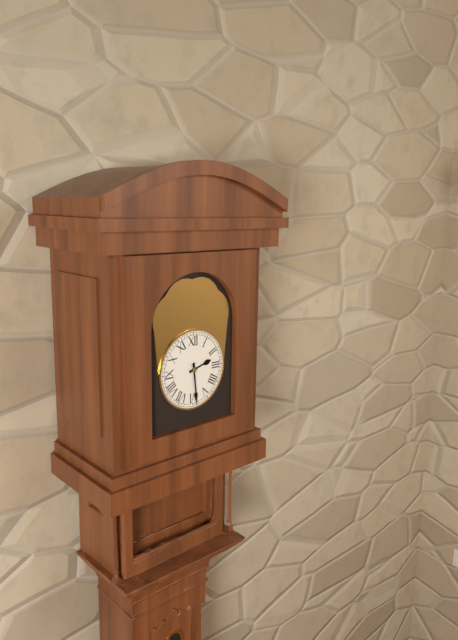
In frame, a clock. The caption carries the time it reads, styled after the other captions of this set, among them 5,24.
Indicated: 2,29
